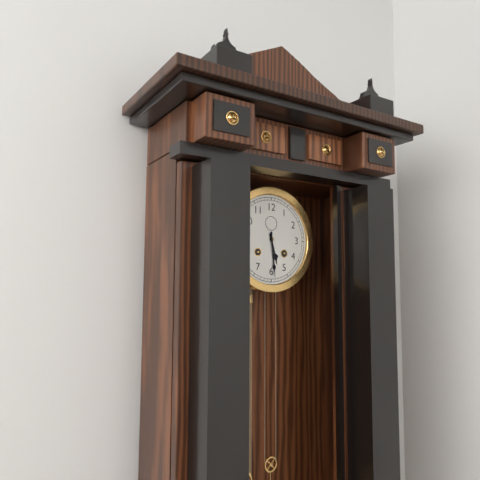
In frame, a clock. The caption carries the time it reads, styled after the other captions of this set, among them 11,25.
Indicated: 5,29
